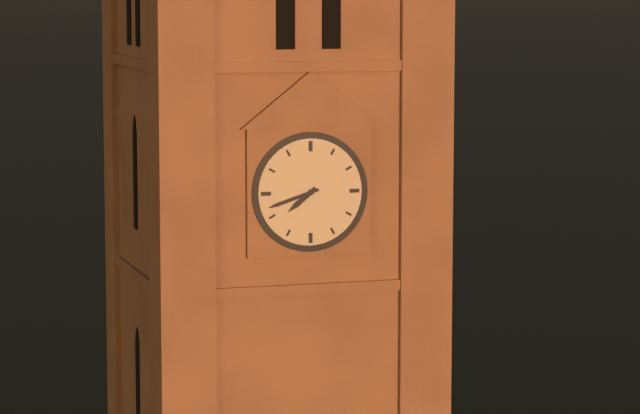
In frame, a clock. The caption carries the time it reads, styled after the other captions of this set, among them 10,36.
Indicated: 7,42
